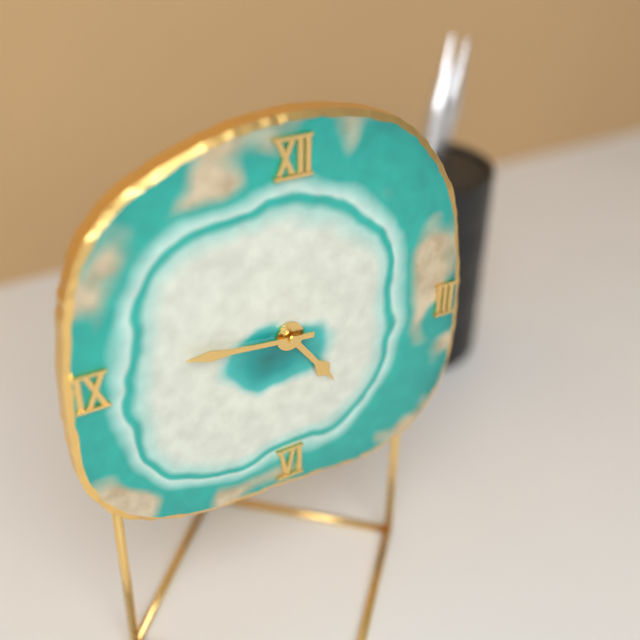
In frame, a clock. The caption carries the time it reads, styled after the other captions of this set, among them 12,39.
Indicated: 4,46
